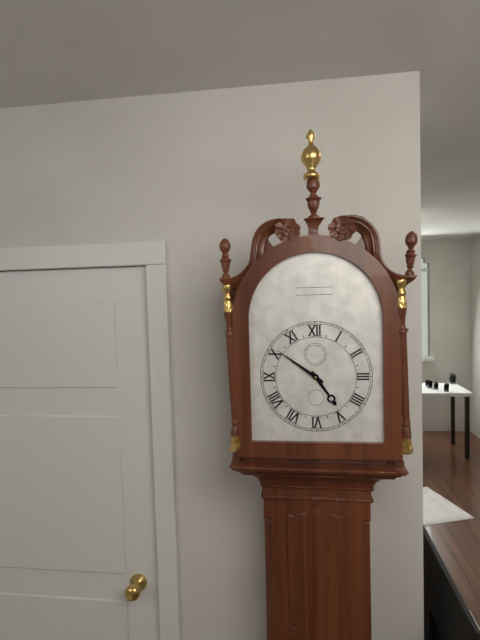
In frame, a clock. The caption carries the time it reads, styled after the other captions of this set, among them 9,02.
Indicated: 4,51
